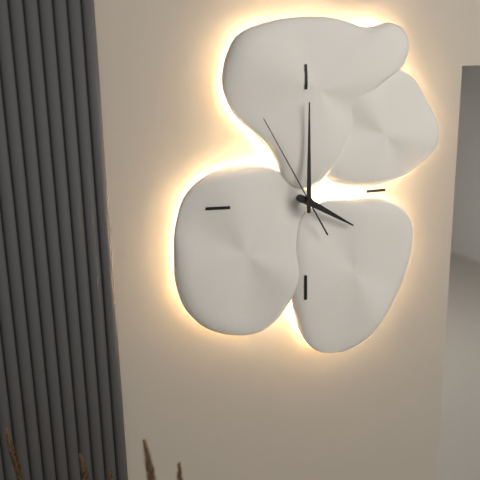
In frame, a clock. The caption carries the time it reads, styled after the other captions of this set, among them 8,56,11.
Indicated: 4,00,55
